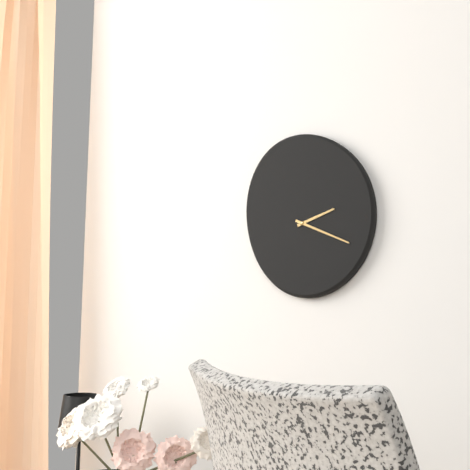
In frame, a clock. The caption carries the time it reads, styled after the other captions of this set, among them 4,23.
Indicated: 2,19
